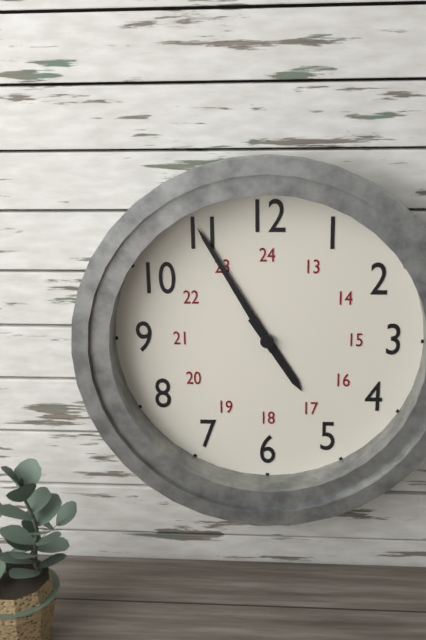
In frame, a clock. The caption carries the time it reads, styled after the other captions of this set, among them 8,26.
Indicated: 4,55
